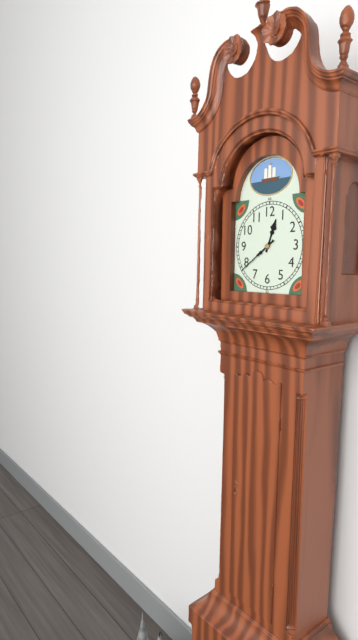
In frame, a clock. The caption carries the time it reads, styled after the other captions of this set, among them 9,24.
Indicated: 12,39
